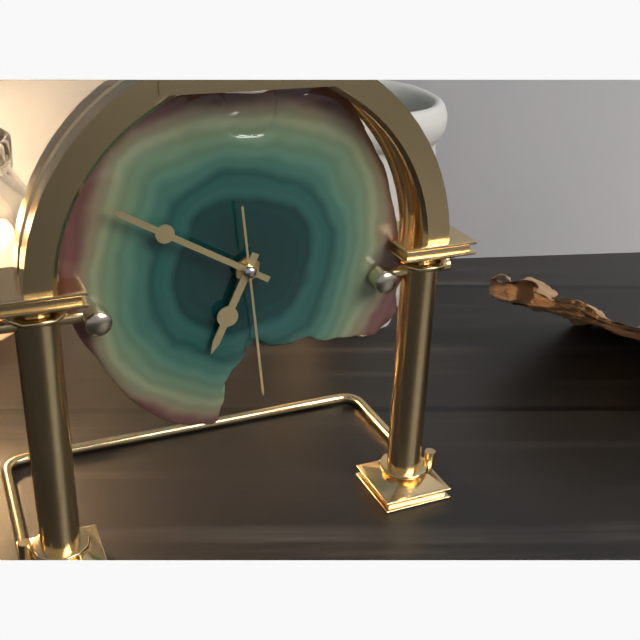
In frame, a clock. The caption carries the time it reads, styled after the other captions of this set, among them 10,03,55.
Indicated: 6,50,29
